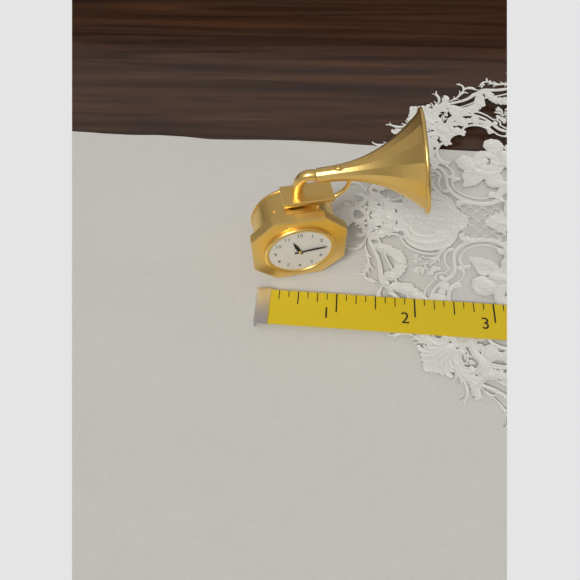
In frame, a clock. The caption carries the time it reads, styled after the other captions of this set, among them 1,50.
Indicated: 11,14
